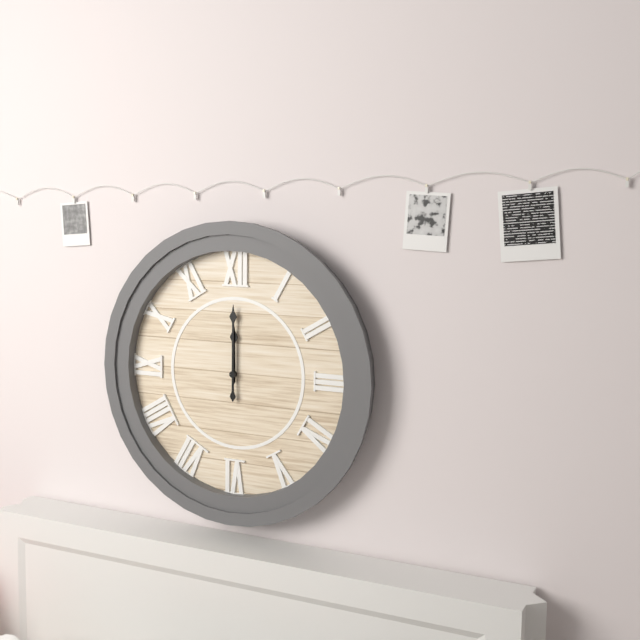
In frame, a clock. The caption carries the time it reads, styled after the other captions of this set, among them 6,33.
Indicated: 12,00
